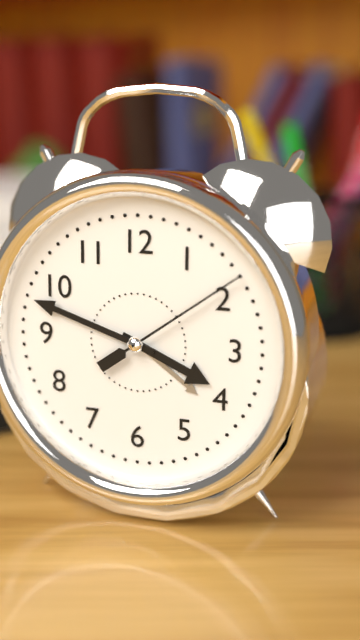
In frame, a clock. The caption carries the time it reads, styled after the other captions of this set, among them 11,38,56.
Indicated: 3,48,09
